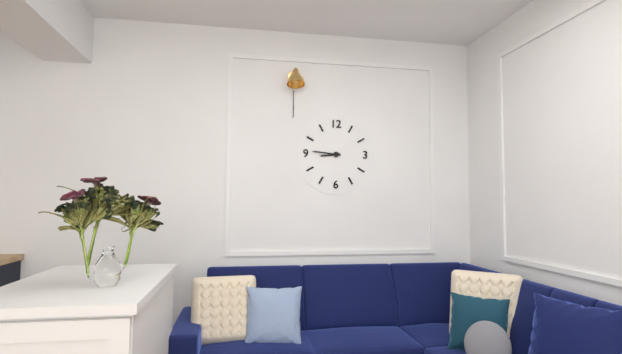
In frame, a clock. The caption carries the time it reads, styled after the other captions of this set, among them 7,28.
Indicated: 8,46
